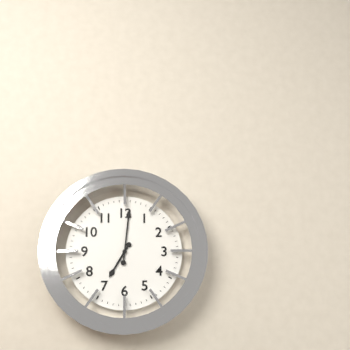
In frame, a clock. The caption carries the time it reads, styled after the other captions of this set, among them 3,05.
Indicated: 7,01
